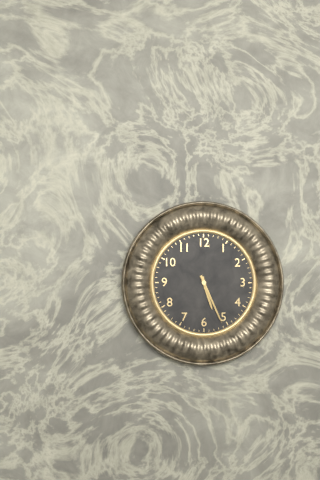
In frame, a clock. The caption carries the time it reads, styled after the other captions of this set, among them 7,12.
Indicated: 5,26
